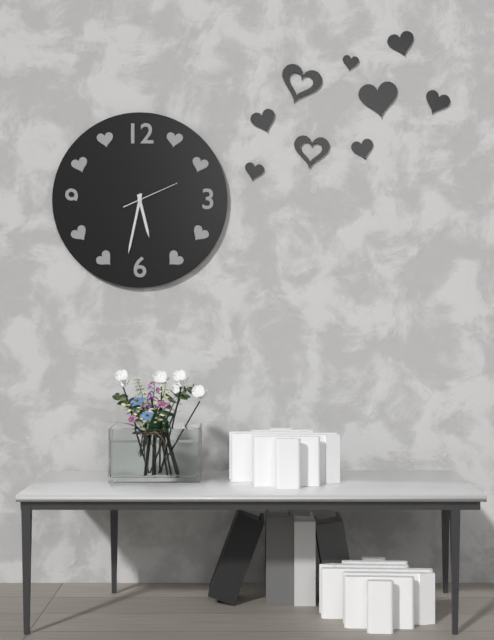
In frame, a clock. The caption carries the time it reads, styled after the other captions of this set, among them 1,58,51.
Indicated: 5,32,11
